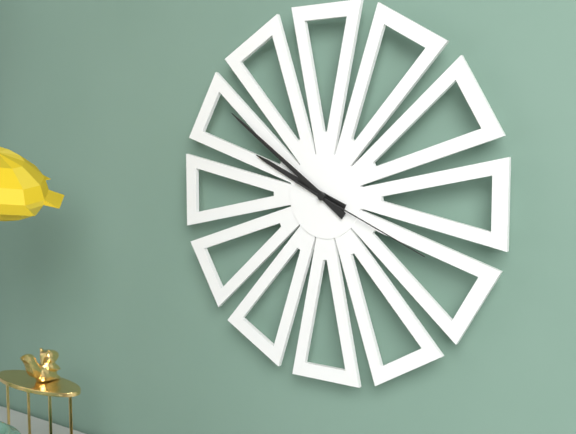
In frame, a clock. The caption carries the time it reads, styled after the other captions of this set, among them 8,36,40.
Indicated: 9,51,19
